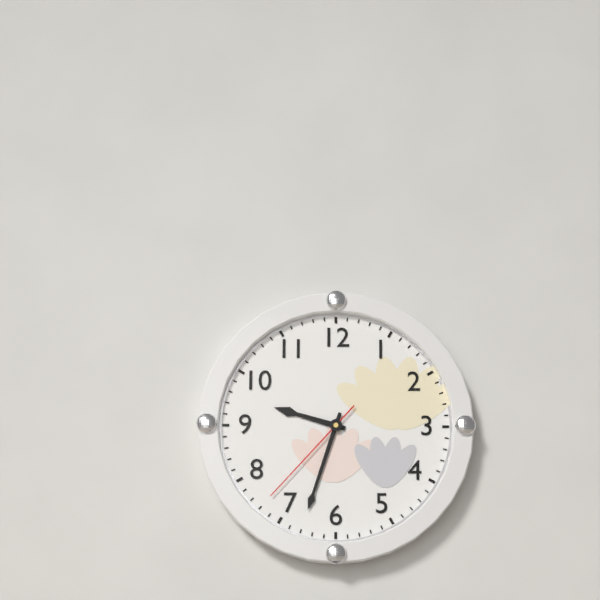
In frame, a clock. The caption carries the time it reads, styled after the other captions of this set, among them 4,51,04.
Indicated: 9,33,37
